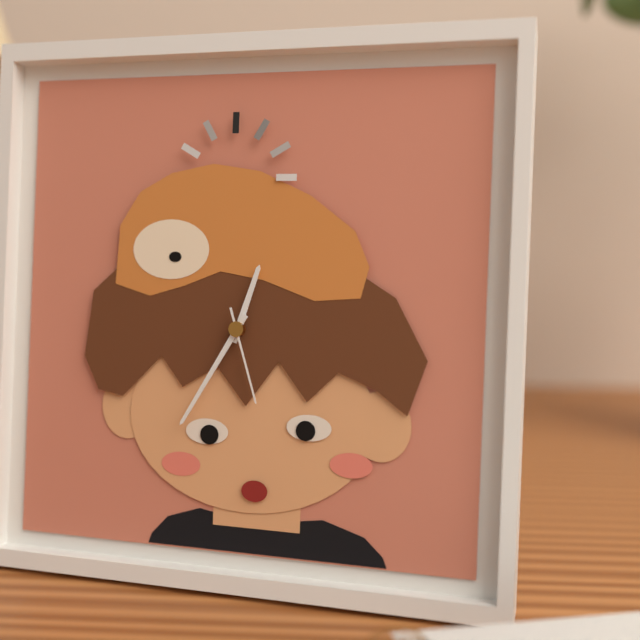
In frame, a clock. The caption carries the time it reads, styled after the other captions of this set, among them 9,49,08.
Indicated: 12,35,27
